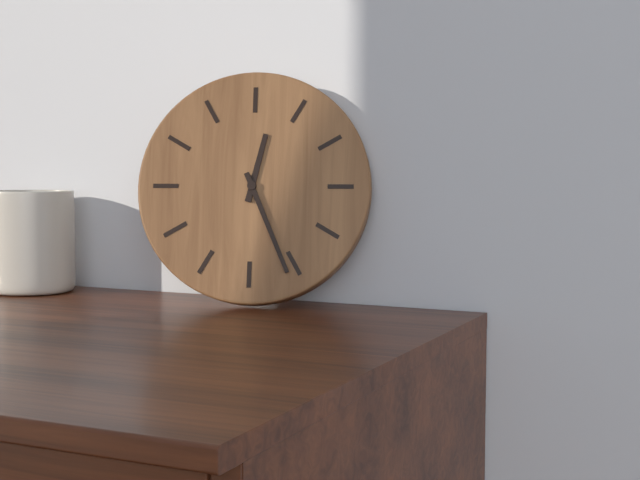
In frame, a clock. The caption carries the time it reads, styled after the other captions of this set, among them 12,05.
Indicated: 12,26
